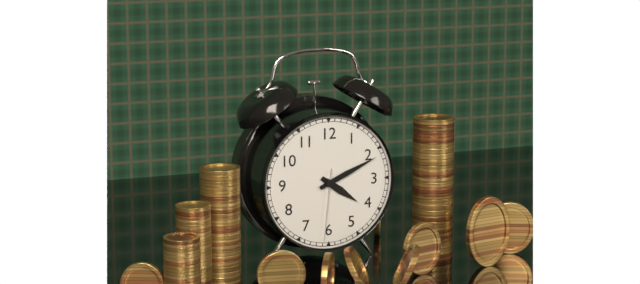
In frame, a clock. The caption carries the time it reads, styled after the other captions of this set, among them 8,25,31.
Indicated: 4,11,31
